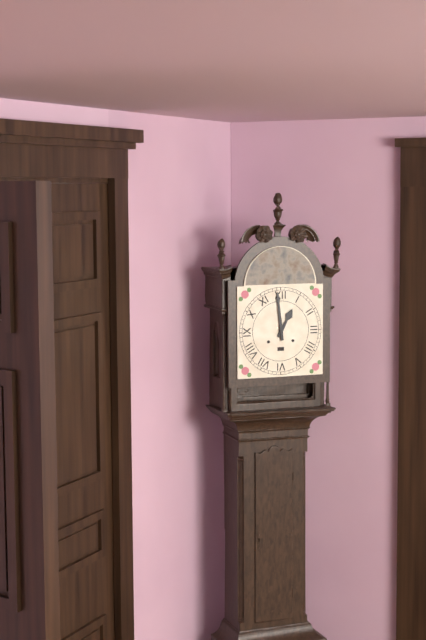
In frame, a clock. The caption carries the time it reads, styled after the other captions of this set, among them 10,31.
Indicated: 12,59
